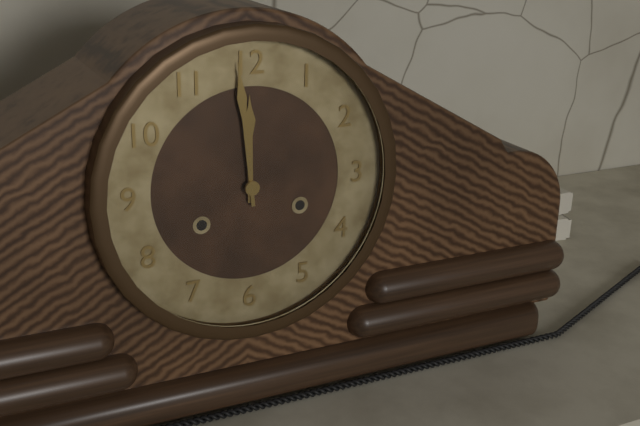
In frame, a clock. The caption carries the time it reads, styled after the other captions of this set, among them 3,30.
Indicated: 11,59
